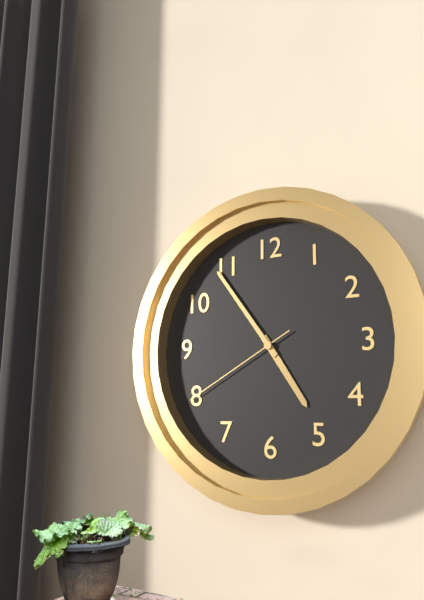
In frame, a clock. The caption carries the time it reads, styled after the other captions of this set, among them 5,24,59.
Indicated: 4,54,40
